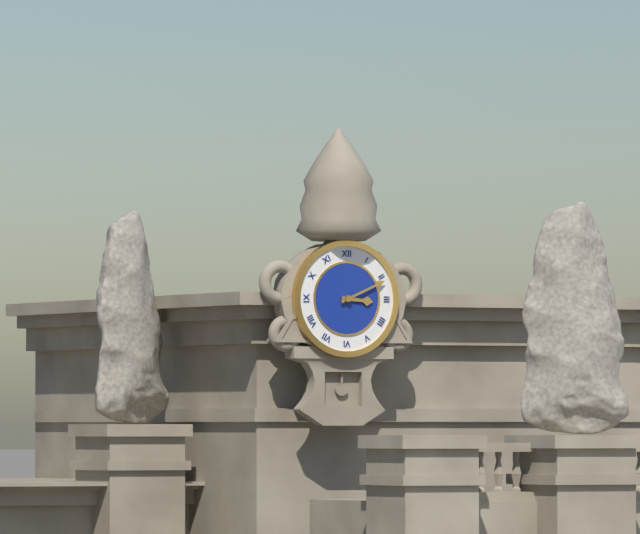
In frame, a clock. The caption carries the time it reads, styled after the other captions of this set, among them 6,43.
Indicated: 3,11
